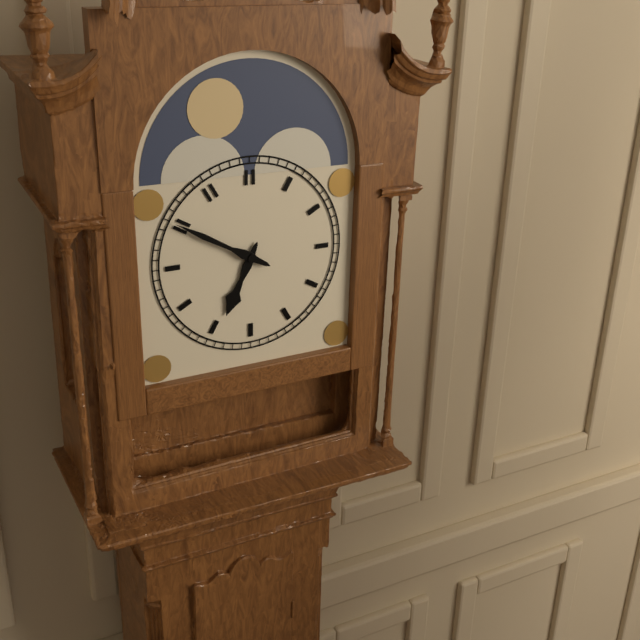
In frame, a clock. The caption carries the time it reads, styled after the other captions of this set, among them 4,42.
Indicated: 6,50
